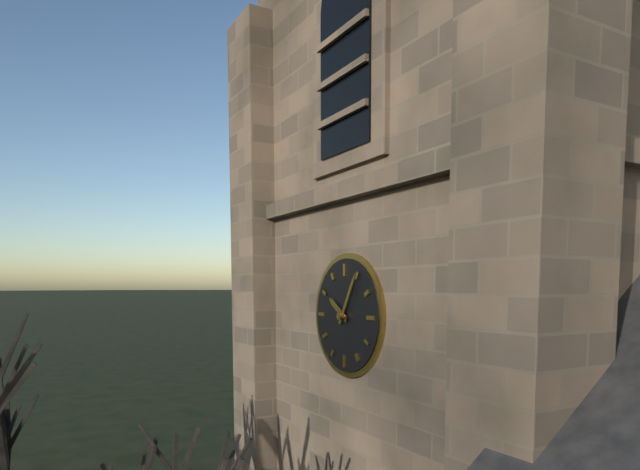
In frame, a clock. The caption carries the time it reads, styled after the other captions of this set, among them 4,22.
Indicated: 10,05
